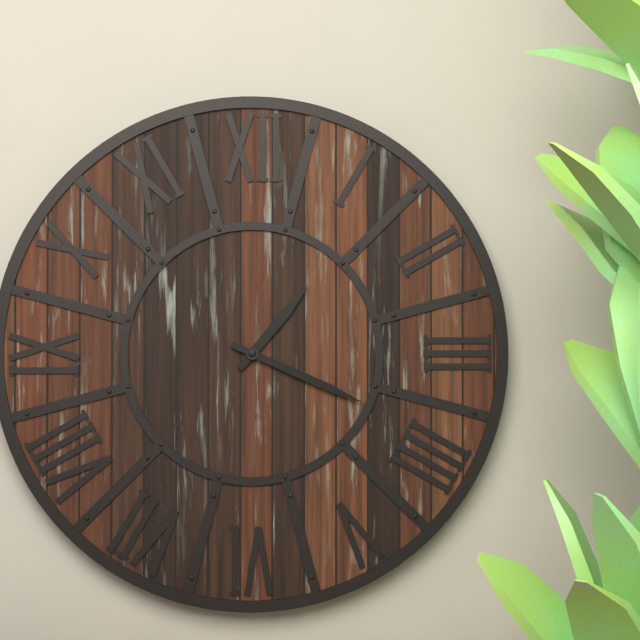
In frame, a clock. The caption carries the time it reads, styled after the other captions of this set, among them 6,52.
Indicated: 1,19
